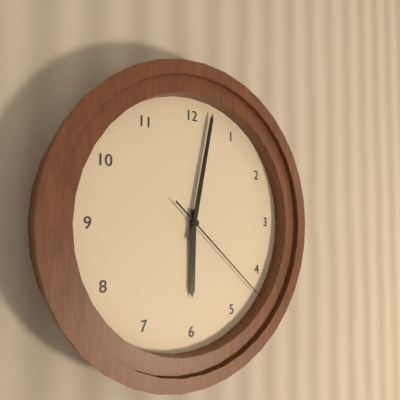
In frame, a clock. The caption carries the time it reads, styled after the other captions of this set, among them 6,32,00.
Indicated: 6,02,22
